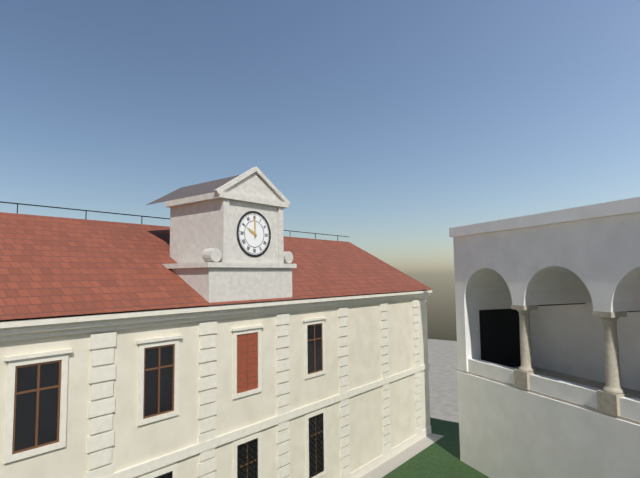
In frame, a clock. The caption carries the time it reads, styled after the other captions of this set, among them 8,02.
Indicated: 10,00
